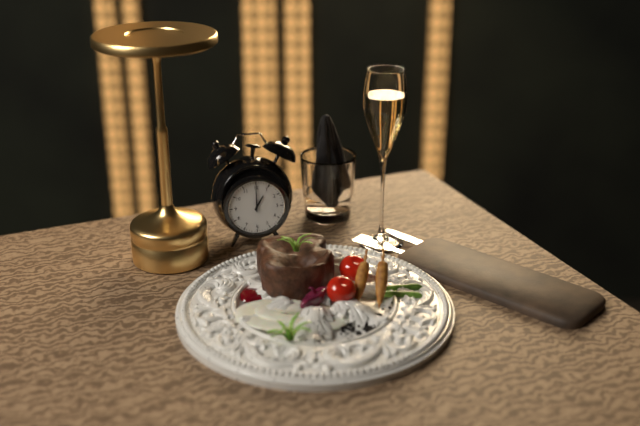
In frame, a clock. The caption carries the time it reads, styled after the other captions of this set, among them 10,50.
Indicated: 1,00
